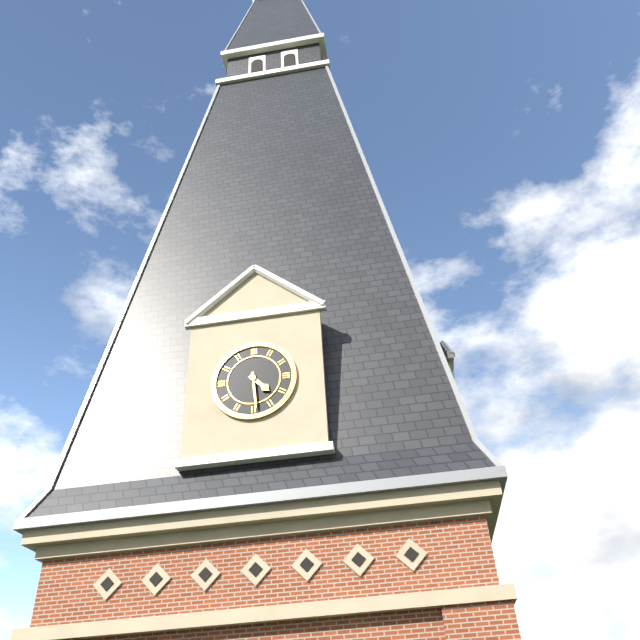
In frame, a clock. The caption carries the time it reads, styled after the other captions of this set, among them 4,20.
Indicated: 4,29
